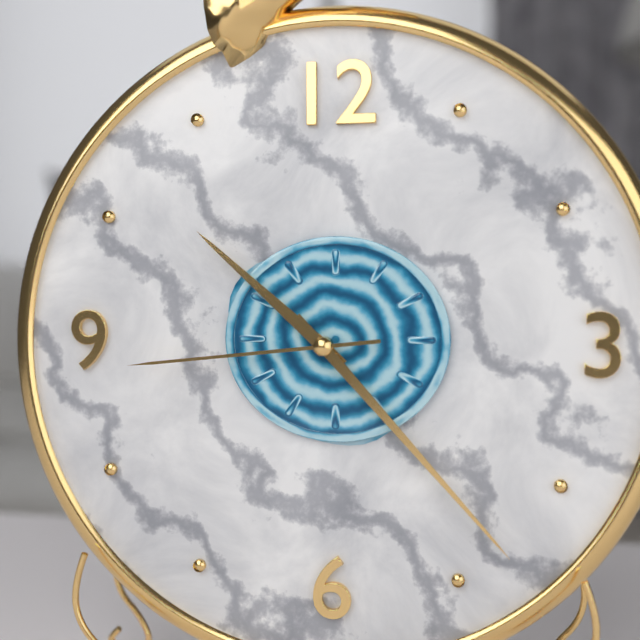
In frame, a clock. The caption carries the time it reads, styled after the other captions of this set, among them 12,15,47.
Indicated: 10,23,44
